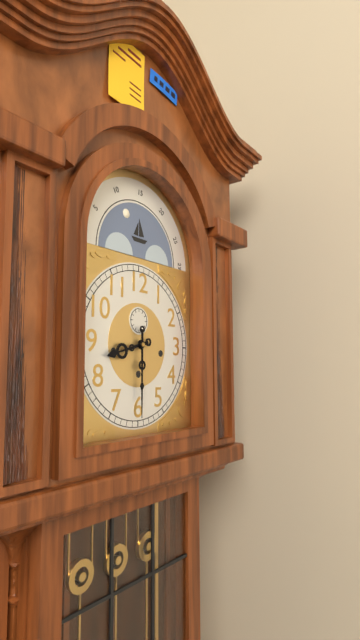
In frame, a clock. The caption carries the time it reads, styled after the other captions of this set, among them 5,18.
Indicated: 8,30
